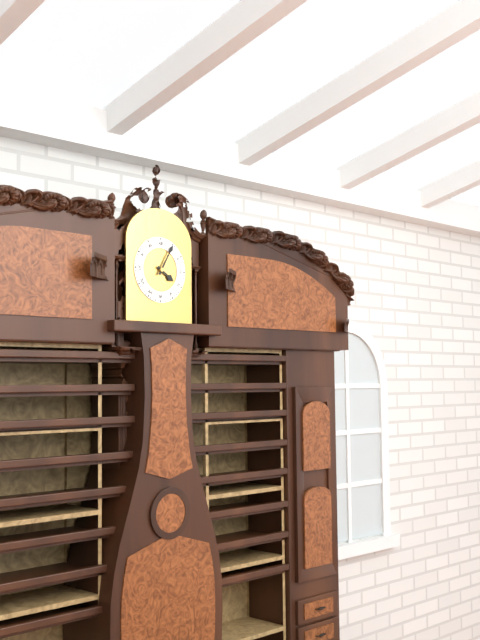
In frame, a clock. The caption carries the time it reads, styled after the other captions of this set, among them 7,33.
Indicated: 4,05
